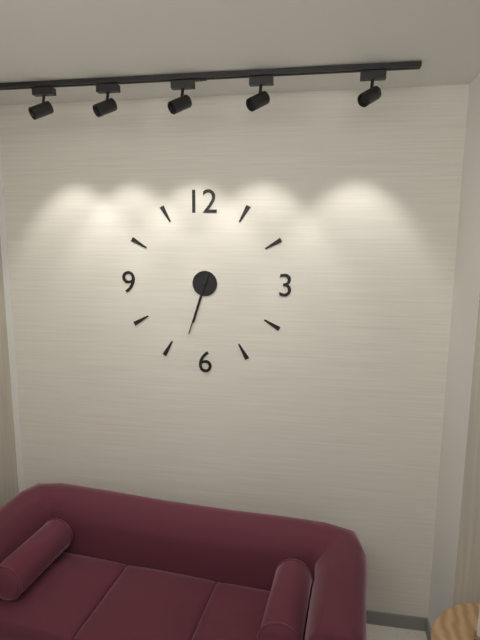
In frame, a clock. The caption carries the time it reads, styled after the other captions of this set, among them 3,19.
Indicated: 6,33
